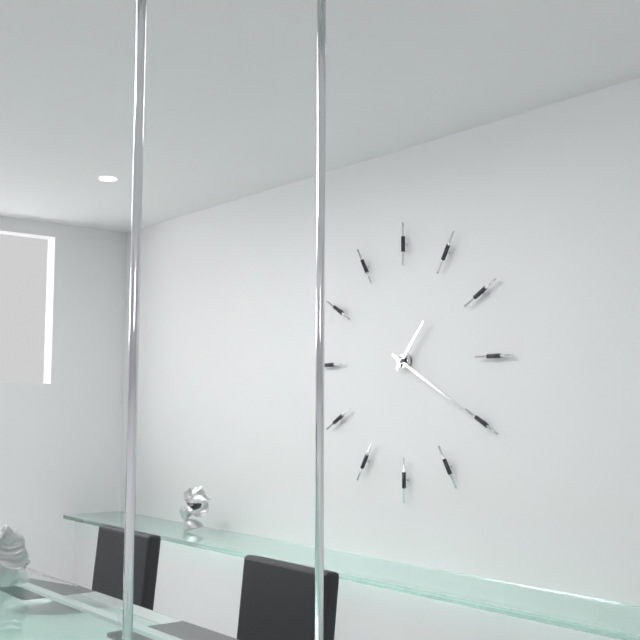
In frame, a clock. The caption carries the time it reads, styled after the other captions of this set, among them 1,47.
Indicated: 1,20
